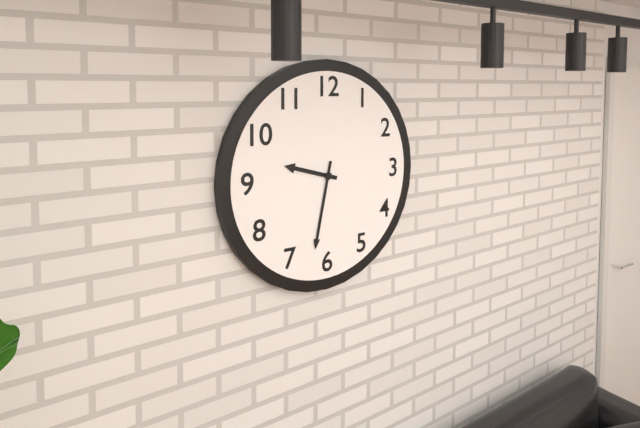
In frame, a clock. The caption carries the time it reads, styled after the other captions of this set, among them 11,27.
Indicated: 9,32
